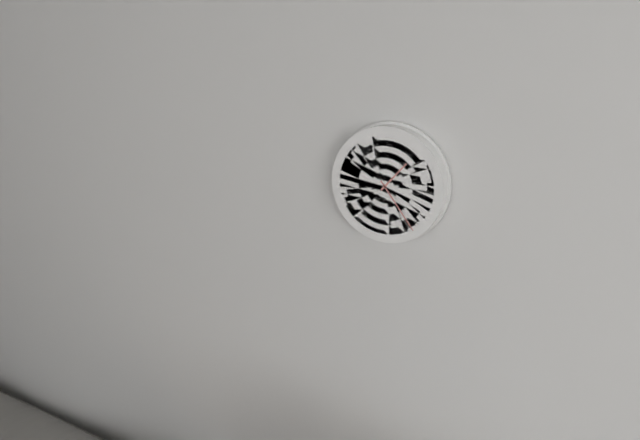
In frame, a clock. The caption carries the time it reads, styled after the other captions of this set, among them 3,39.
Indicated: 1,24
